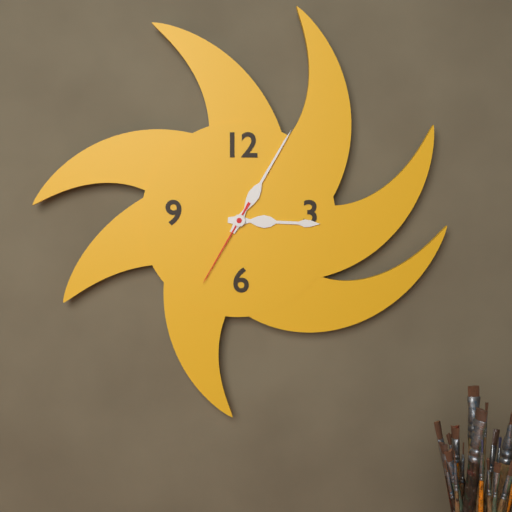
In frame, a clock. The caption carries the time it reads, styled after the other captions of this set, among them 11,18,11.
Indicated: 3,05,35
